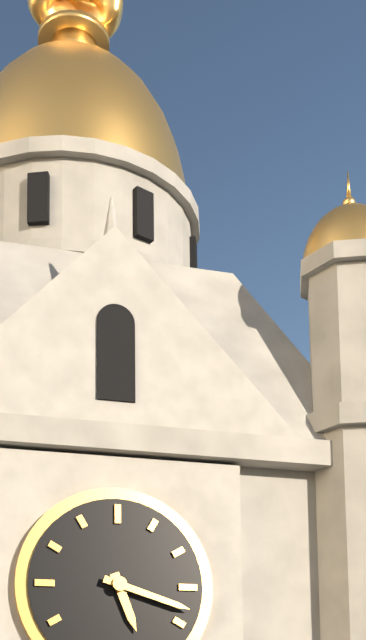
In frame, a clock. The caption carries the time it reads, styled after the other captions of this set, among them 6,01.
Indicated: 5,18
